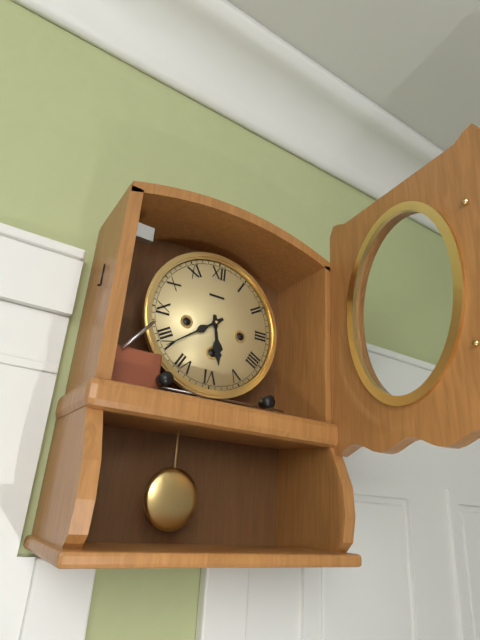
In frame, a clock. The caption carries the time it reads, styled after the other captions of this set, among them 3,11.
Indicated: 5,39
